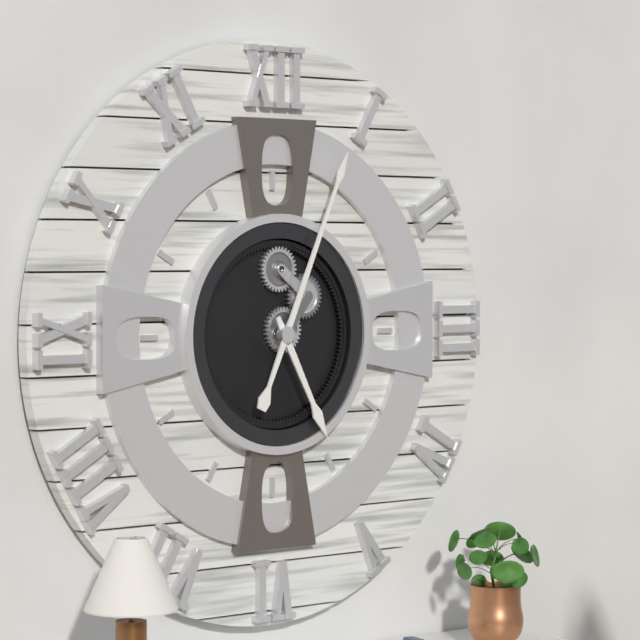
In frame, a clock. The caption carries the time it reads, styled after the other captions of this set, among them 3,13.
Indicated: 5,04
